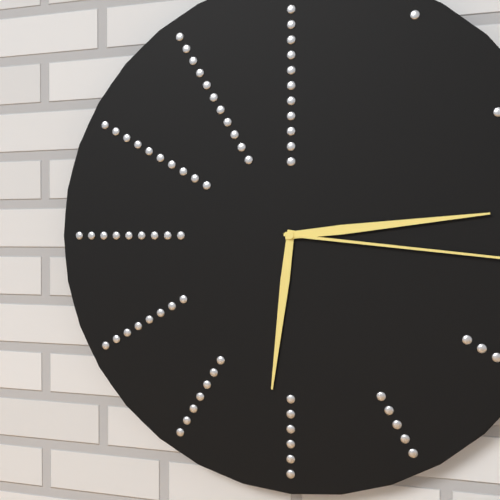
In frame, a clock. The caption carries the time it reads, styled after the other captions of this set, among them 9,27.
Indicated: 6,14
